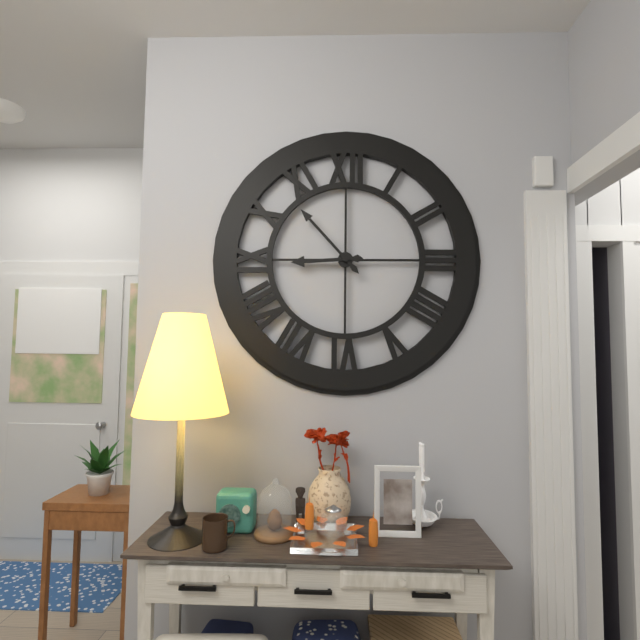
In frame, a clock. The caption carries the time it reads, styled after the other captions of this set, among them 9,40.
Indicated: 8,53
